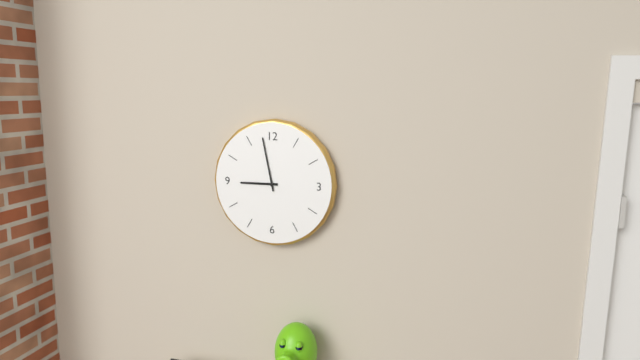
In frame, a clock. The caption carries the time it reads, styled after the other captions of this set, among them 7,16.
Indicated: 8,58
